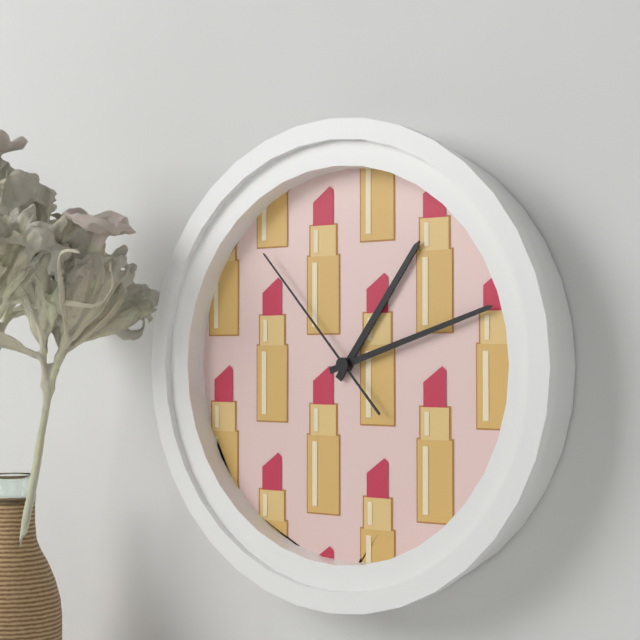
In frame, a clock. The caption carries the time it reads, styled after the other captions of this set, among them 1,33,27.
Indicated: 1,12,53
